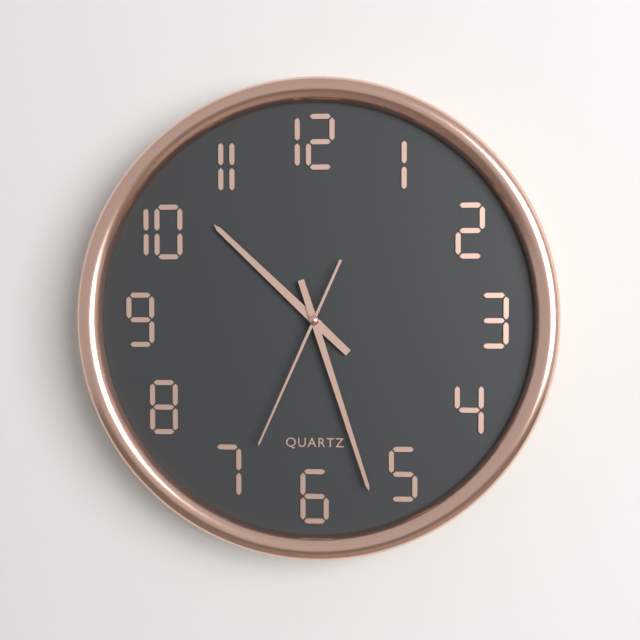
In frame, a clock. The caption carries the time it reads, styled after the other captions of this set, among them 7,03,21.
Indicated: 10,27,34
